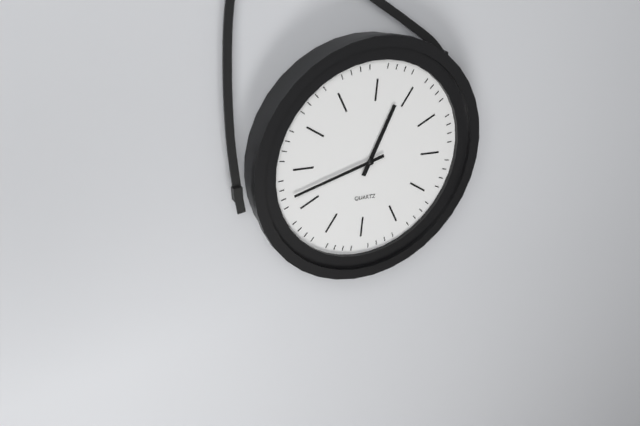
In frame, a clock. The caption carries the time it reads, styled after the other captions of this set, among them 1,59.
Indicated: 12,42
